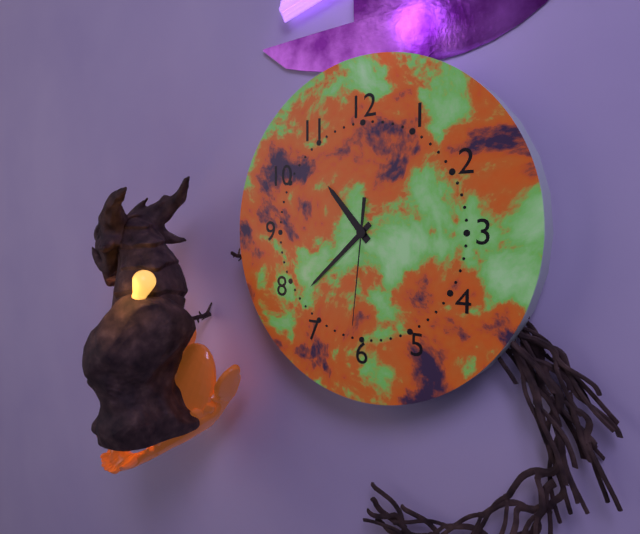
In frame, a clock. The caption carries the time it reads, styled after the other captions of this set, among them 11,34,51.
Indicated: 10,38,31
